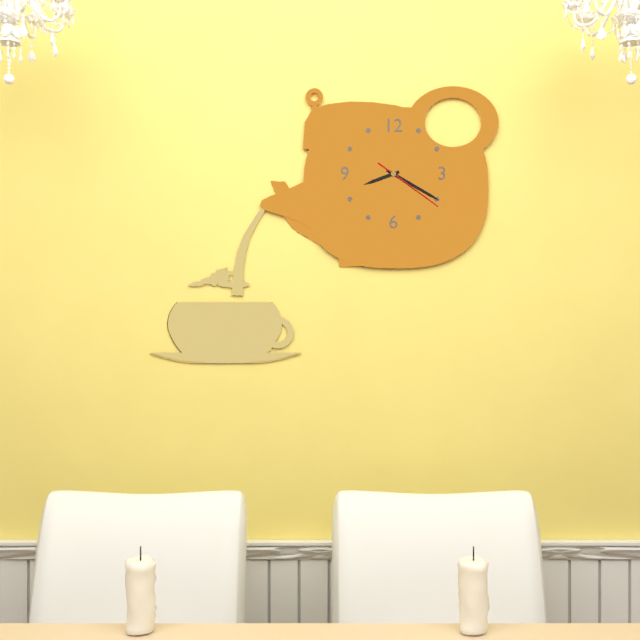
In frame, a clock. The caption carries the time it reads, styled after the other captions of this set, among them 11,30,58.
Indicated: 8,20,21
